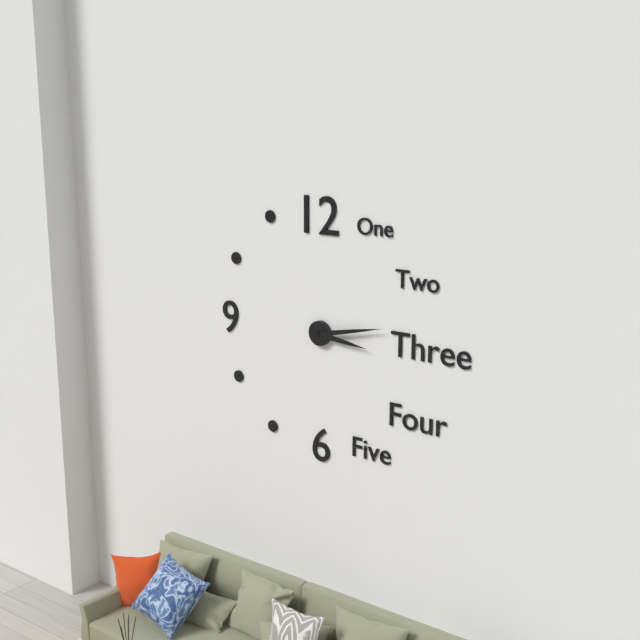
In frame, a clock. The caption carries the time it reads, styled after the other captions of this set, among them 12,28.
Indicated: 3,13
